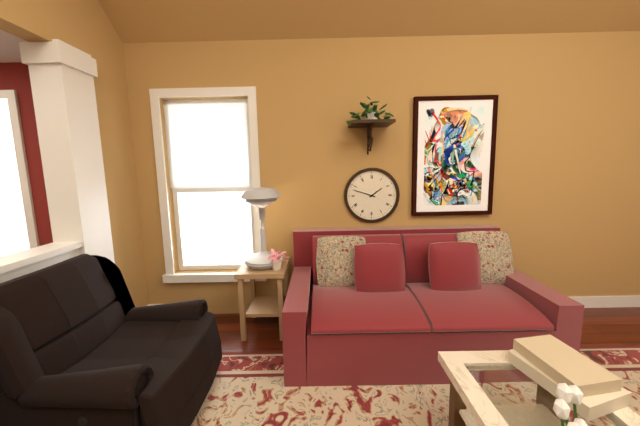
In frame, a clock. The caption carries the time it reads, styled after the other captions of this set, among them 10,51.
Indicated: 1,48
